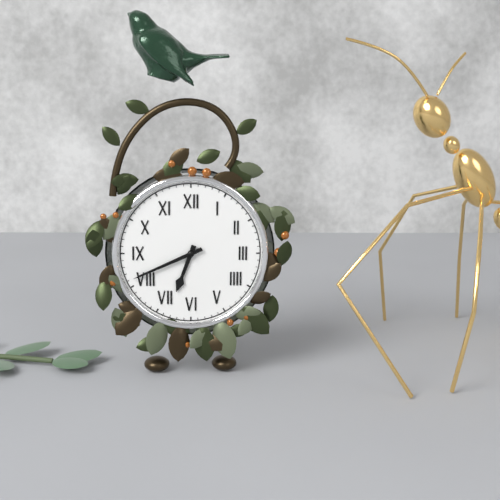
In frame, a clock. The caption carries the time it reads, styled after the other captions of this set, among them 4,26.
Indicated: 6,41
